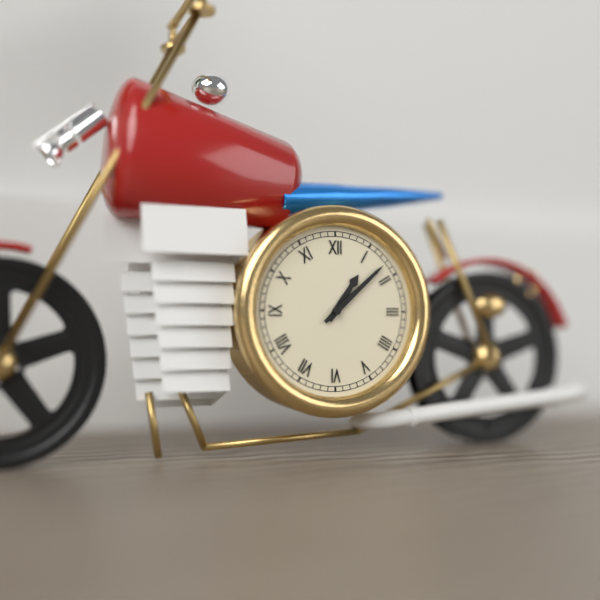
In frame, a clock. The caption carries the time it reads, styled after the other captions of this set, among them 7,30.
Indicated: 1,08
